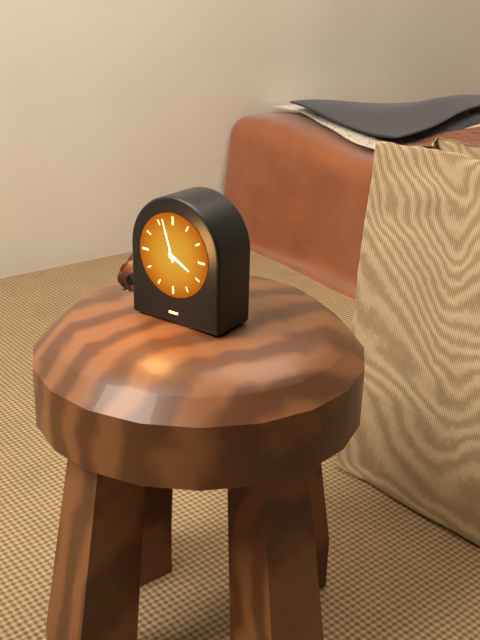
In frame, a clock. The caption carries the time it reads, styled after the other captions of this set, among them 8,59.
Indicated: 3,57
